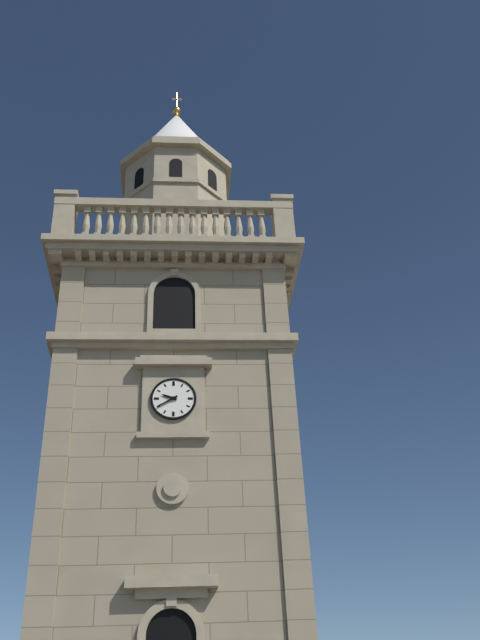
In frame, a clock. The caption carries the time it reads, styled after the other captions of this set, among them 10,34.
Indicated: 9,40
